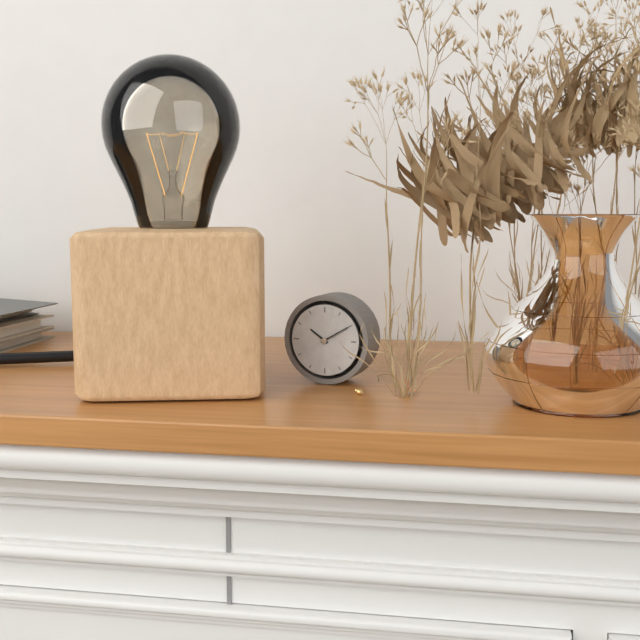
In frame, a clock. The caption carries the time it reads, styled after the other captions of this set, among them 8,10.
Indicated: 10,10
